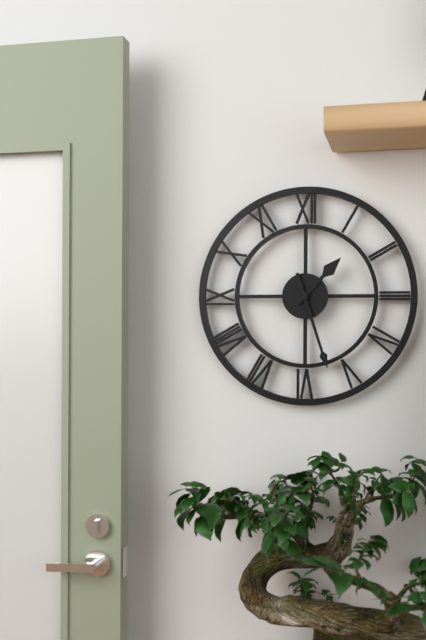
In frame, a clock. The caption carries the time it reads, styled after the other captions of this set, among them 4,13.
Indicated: 1,27
